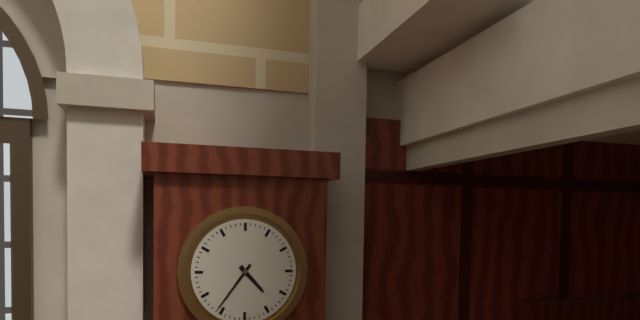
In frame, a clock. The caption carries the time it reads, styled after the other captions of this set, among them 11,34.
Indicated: 4,36
